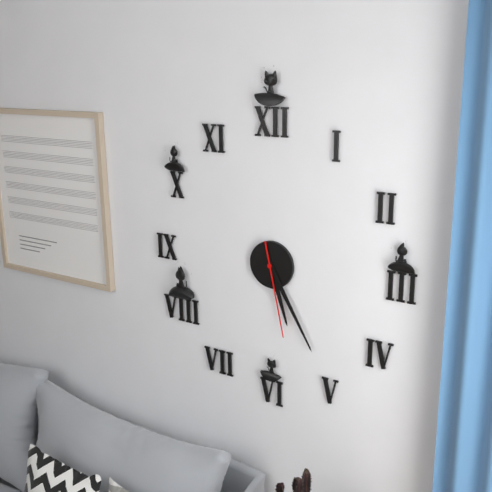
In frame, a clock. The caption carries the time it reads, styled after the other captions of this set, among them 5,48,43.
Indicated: 5,25,28
